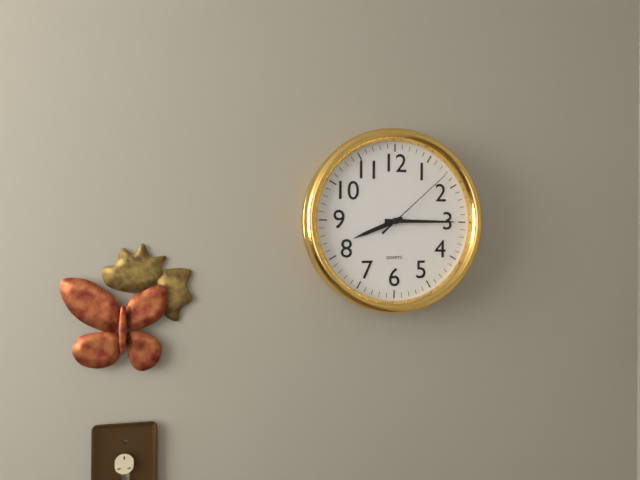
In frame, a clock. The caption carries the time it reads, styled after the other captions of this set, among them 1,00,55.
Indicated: 8,15,08
